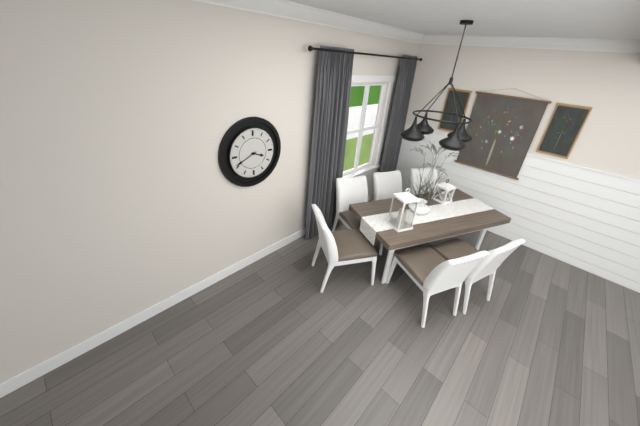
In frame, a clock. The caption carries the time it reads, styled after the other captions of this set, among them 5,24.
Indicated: 3,41
